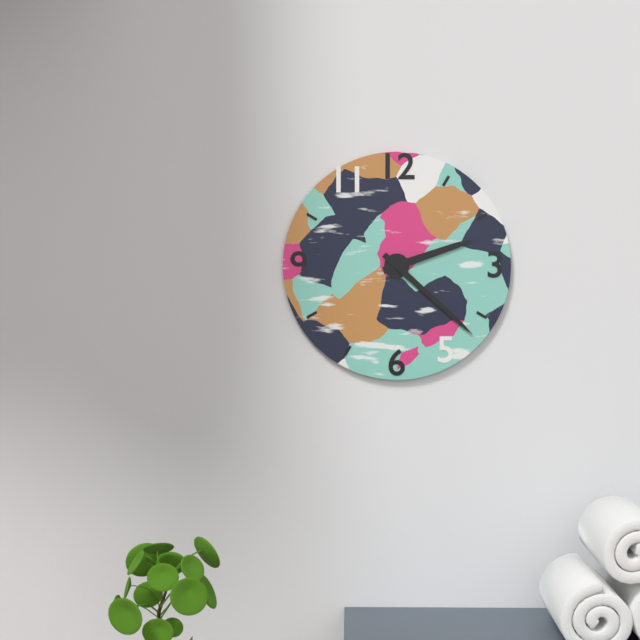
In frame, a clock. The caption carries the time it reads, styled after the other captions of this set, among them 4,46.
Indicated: 2,22
